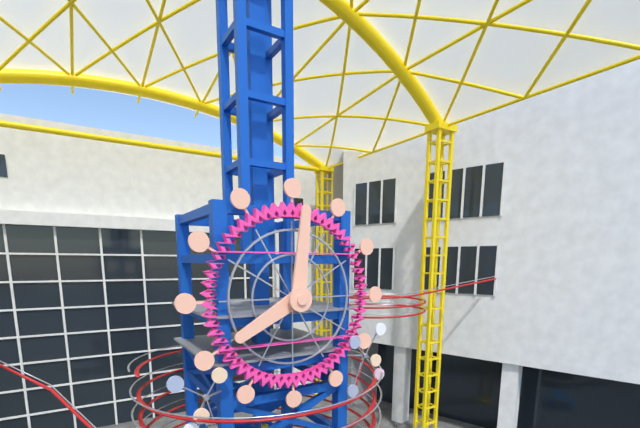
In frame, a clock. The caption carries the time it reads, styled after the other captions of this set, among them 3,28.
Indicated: 8,01
